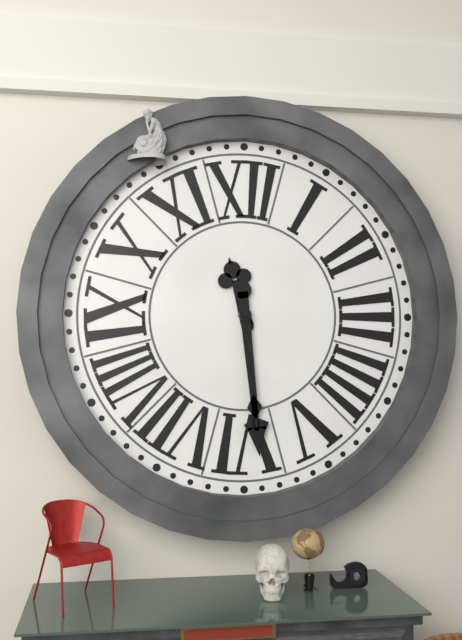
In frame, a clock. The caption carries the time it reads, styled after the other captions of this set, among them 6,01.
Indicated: 11,29
